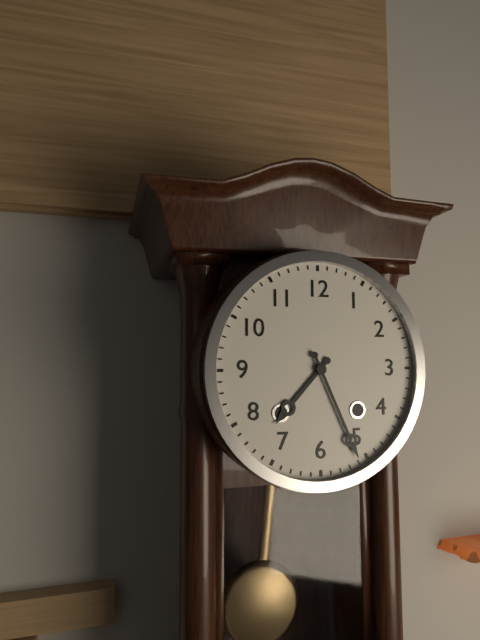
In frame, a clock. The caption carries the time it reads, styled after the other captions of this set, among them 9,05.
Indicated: 7,26
